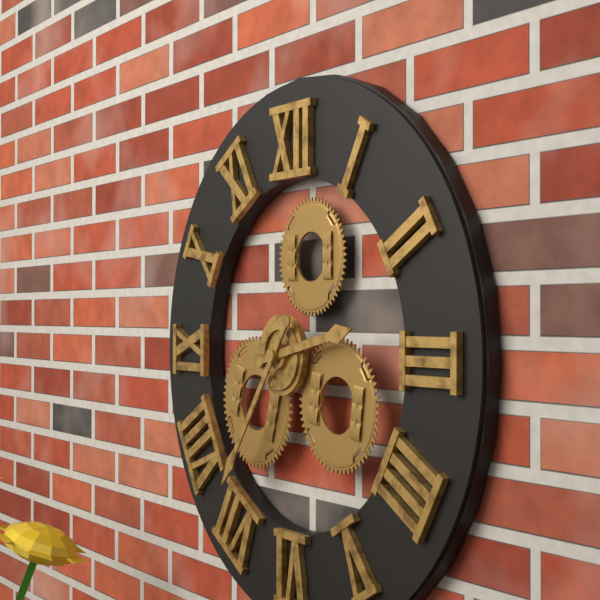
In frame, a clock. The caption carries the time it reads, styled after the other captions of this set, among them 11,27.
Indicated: 2,36
